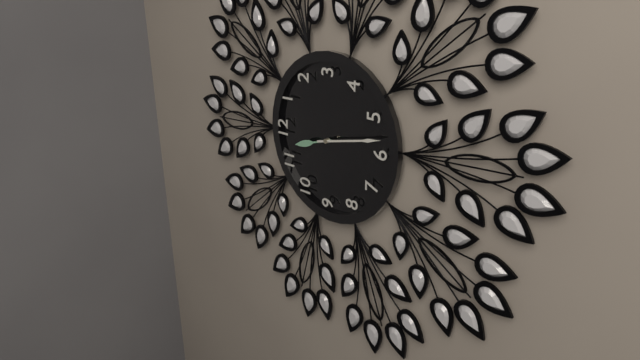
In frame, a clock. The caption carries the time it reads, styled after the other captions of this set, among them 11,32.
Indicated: 11,28
